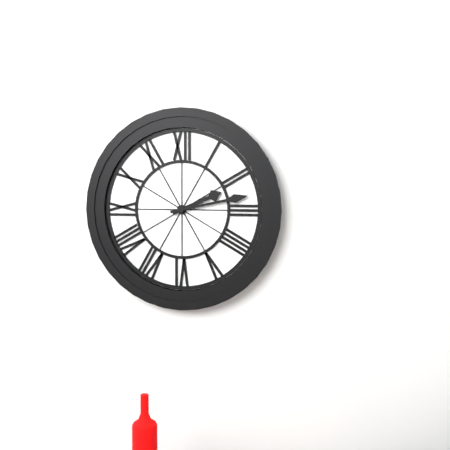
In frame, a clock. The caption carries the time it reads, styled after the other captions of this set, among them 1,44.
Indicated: 2,13
